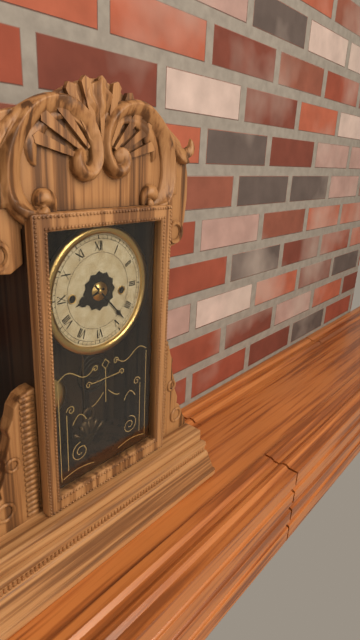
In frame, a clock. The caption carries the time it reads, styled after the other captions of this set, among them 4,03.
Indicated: 8,23
